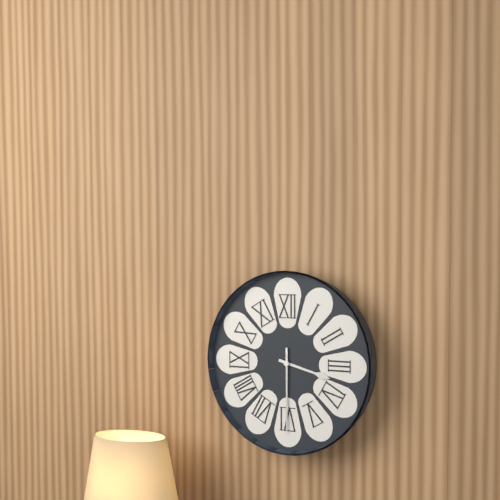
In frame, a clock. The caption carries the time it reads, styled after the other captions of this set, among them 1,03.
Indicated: 3,30
